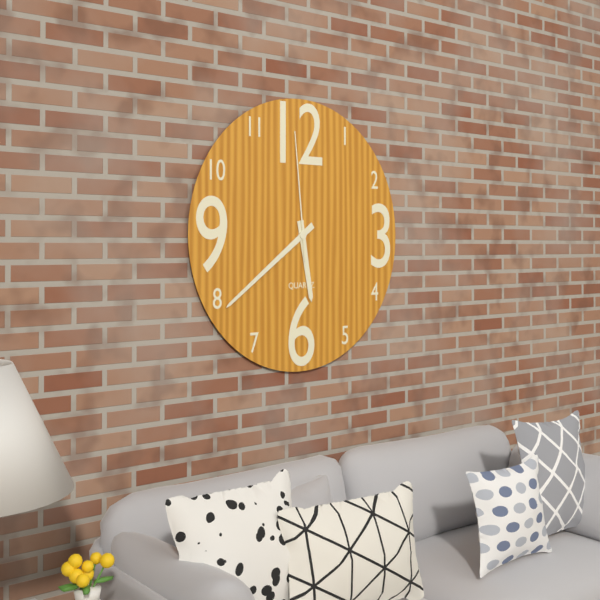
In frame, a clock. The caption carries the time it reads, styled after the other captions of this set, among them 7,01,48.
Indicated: 5,39,59
